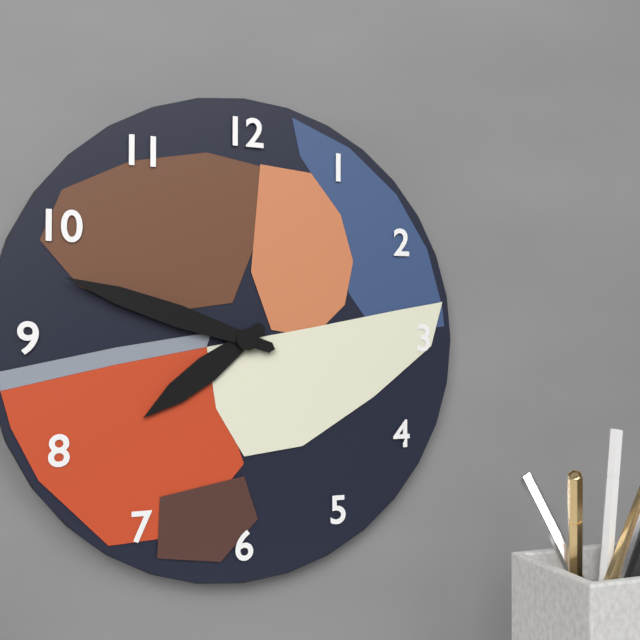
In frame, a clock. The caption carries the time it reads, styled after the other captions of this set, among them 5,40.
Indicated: 7,48
